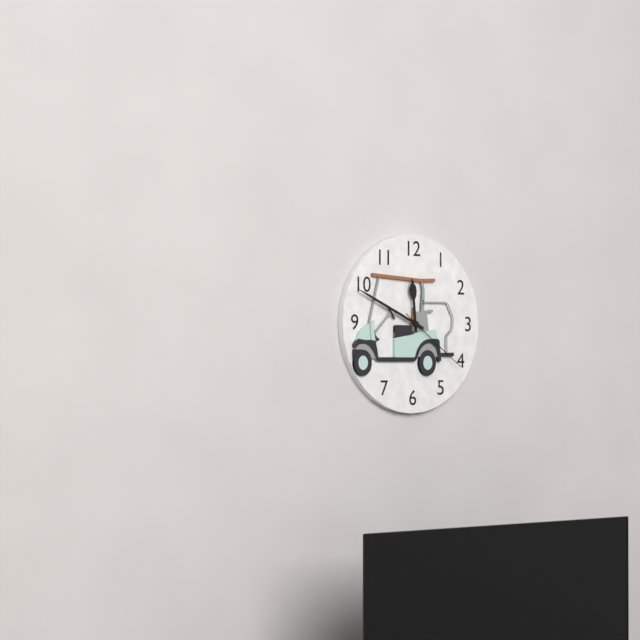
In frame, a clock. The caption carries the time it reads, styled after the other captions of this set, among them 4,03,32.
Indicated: 11,49,21
